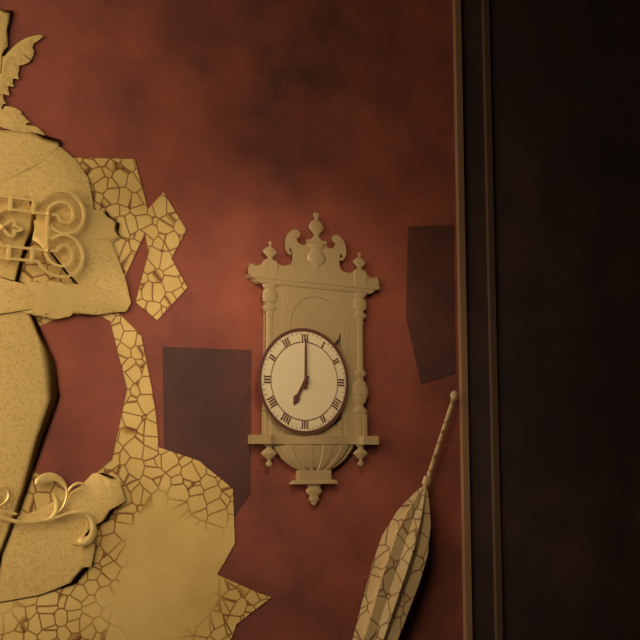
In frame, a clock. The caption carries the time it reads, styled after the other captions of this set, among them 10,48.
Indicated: 7,00
